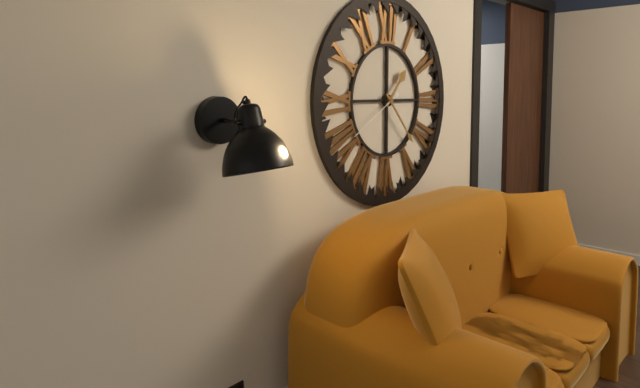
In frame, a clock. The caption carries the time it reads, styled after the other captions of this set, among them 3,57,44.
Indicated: 1,23,40
